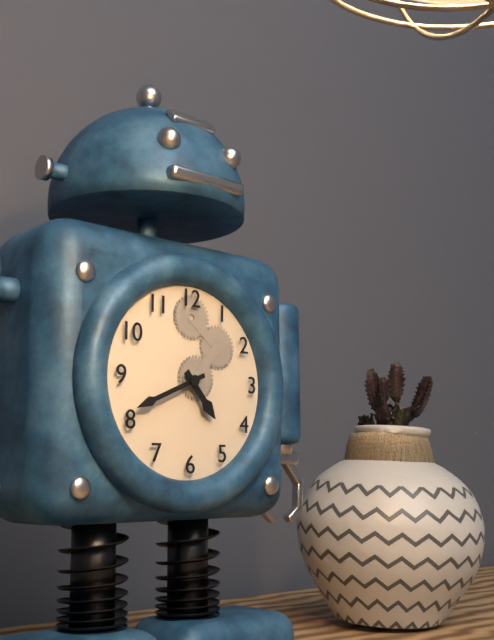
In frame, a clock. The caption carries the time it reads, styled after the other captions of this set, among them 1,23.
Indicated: 4,41
